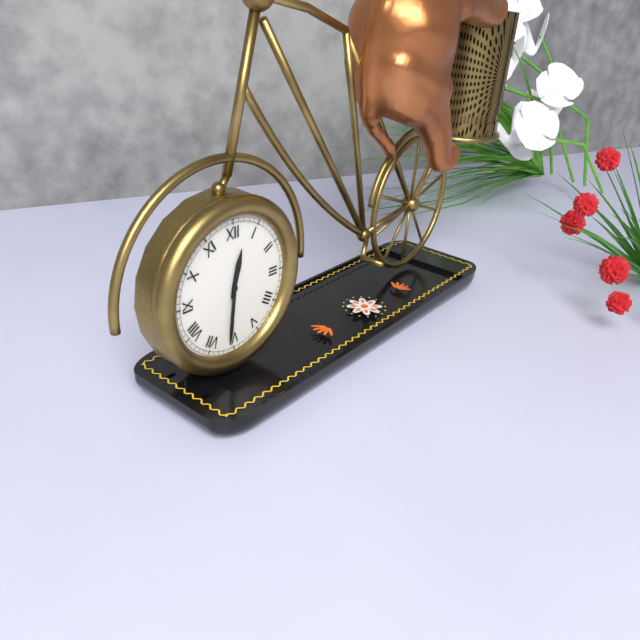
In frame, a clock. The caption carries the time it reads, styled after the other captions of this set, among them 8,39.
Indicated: 12,31
